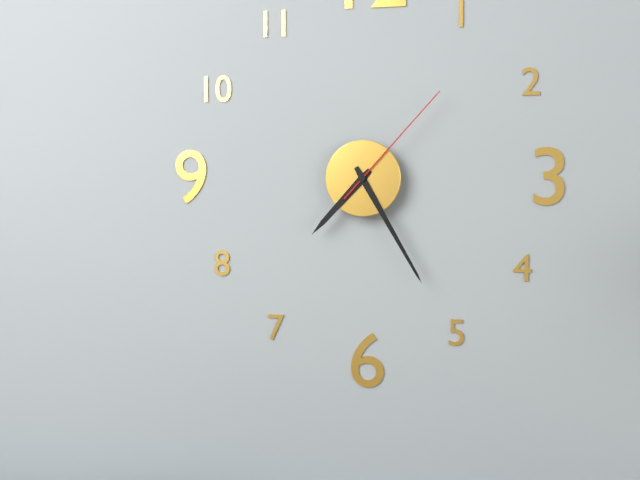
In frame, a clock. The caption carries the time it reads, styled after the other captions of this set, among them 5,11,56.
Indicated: 7,25,07
